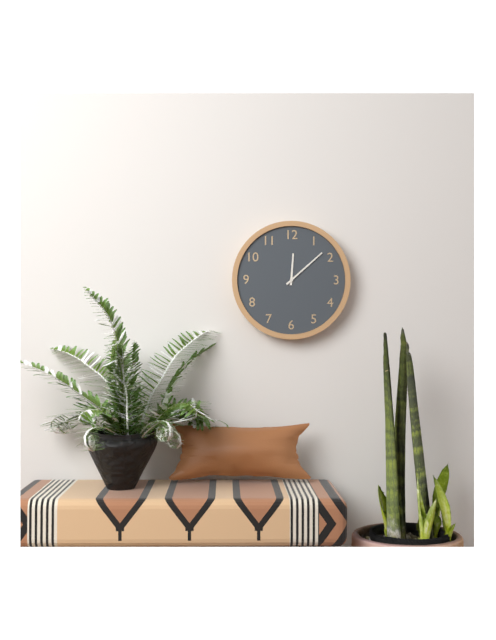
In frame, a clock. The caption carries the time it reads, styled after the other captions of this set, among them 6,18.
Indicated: 12,08
